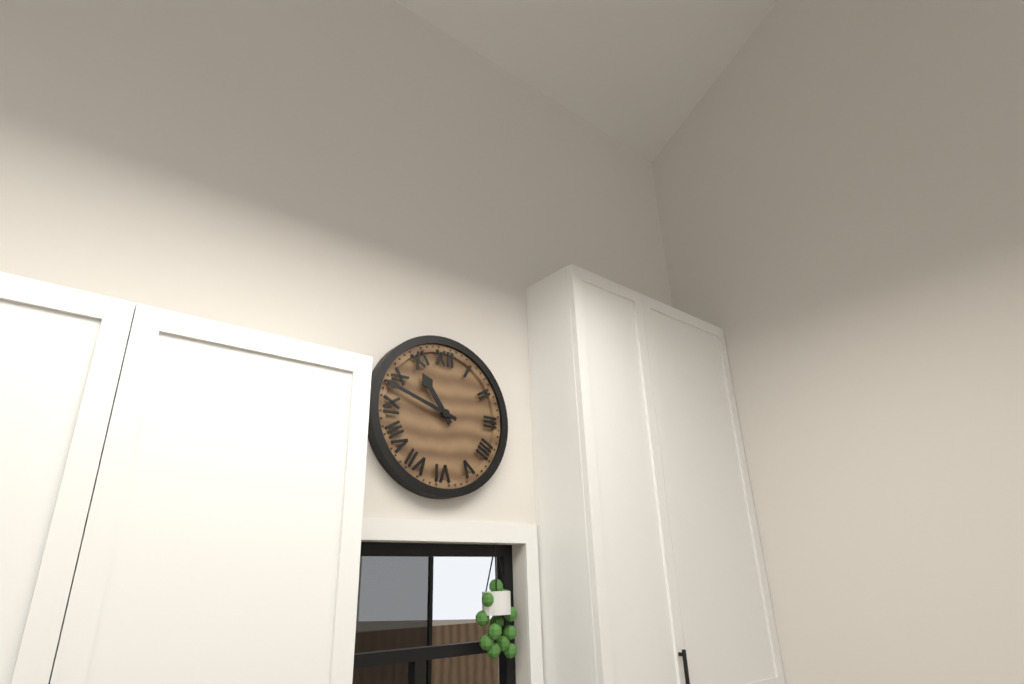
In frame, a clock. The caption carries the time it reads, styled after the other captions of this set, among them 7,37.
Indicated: 10,48
